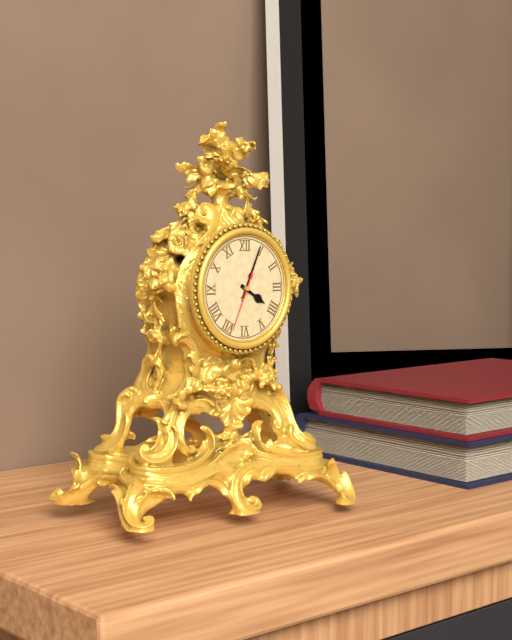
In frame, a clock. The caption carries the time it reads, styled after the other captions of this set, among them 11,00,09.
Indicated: 4,04,34
